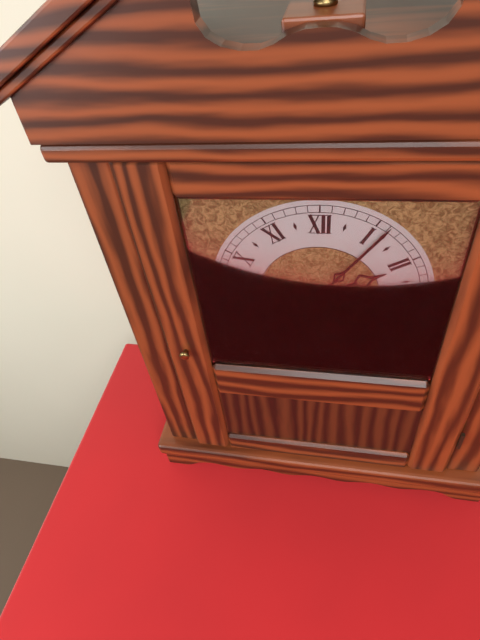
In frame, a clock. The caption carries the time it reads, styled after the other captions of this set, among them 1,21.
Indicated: 2,06
